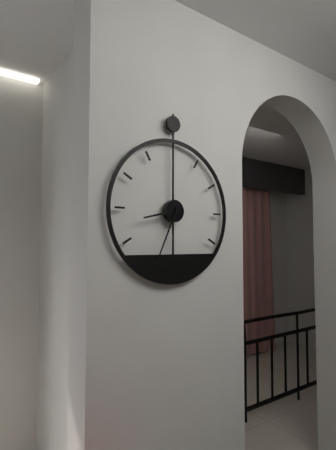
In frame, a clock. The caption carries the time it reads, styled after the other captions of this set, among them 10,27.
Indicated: 8,34
